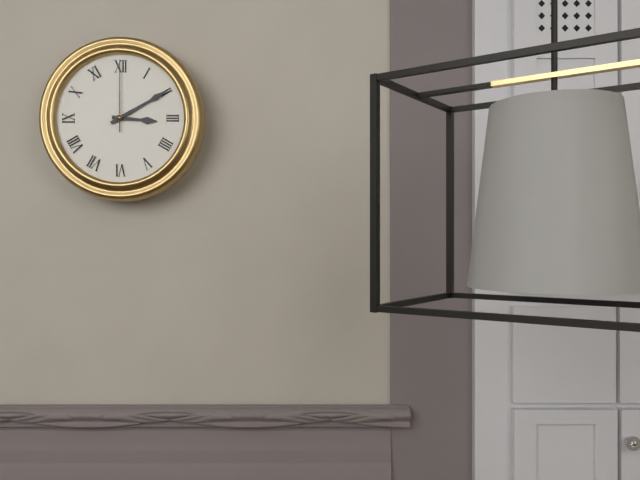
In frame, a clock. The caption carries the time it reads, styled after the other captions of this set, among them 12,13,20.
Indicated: 3,10,00
